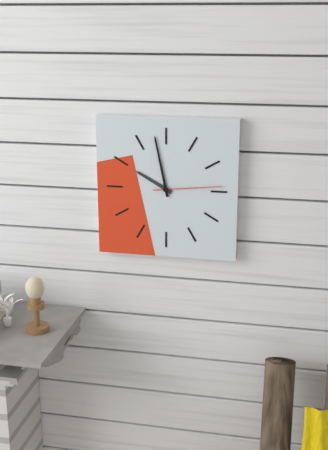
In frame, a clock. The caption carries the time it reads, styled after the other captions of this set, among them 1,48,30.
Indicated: 9,58,14
